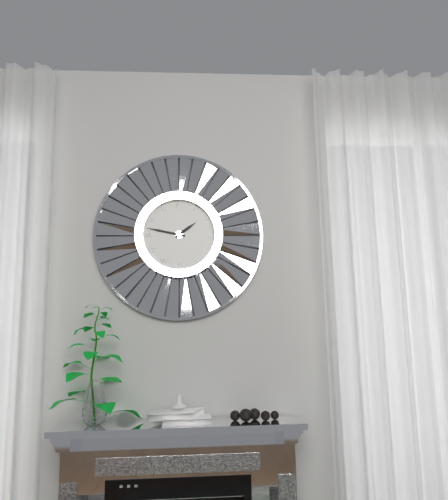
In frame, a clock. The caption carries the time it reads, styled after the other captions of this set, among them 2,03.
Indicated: 1,47
